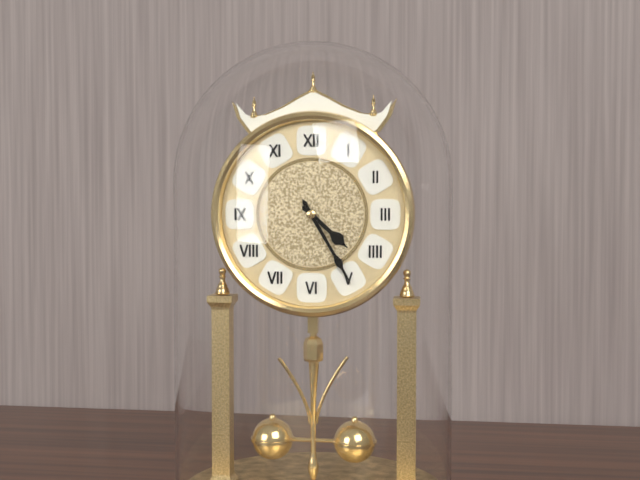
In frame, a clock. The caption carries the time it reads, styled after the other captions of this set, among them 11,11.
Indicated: 4,25
